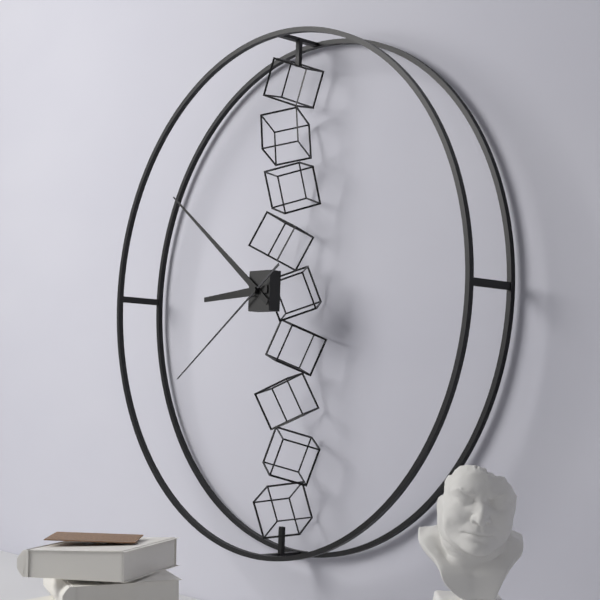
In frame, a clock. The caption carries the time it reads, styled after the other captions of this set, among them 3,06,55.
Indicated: 8,51,39
